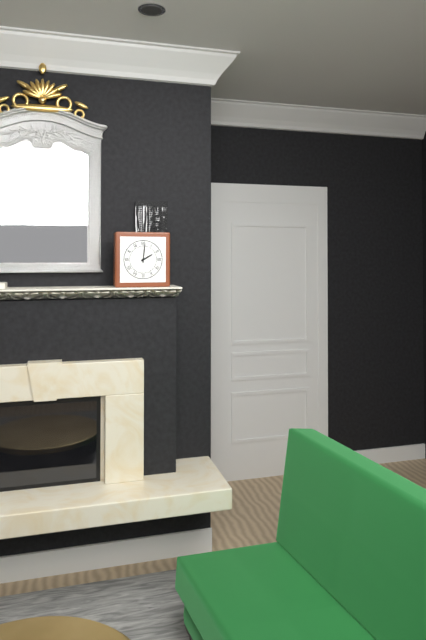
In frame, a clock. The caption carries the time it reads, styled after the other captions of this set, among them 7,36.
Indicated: 2,01
